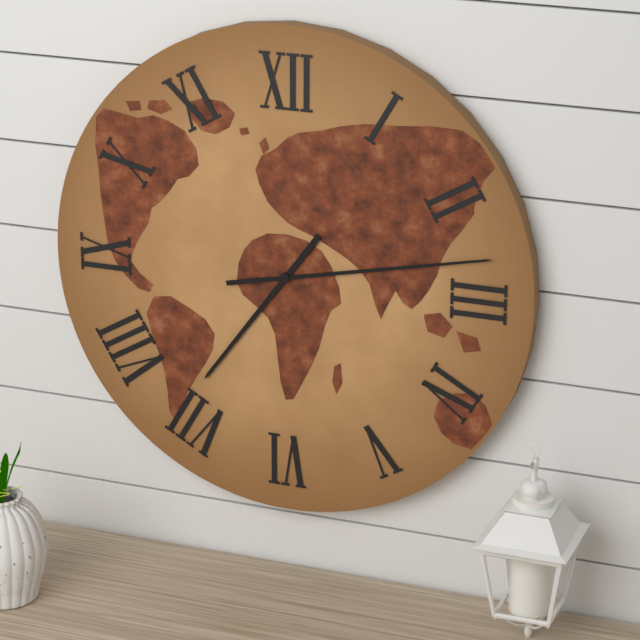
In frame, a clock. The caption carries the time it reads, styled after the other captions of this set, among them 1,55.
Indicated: 7,13
